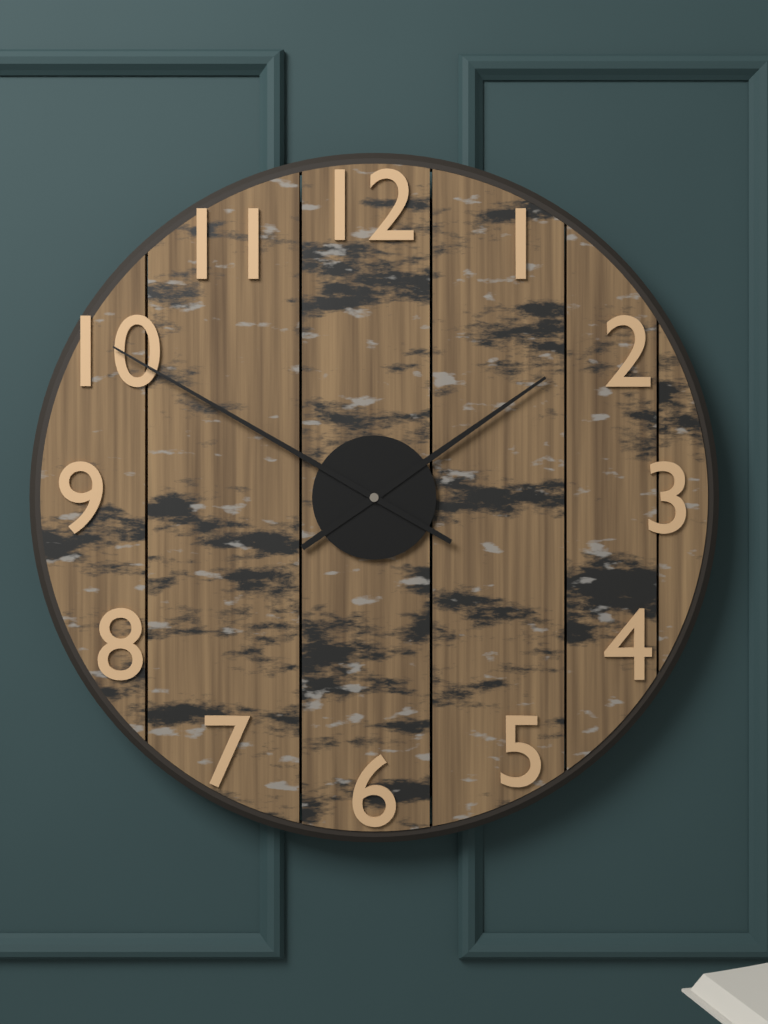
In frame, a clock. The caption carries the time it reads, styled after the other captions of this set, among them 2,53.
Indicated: 1,50
